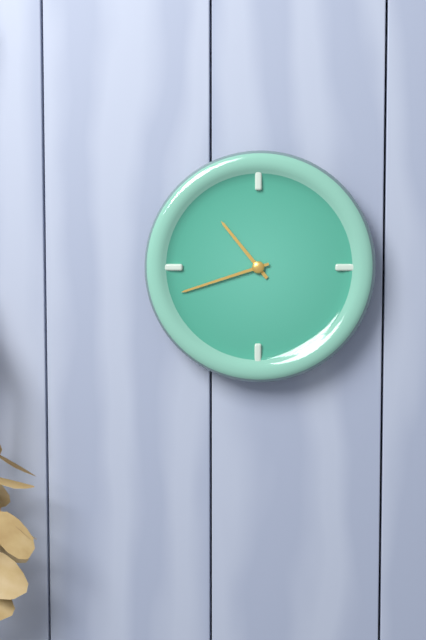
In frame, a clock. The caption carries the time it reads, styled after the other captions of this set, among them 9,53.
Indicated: 10,42
